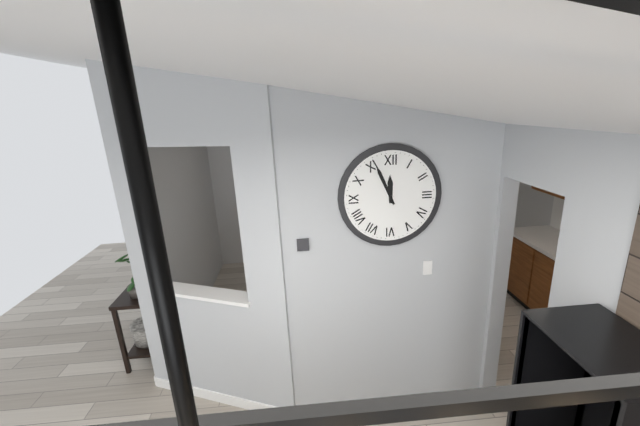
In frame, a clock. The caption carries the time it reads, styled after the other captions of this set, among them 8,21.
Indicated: 11,56
